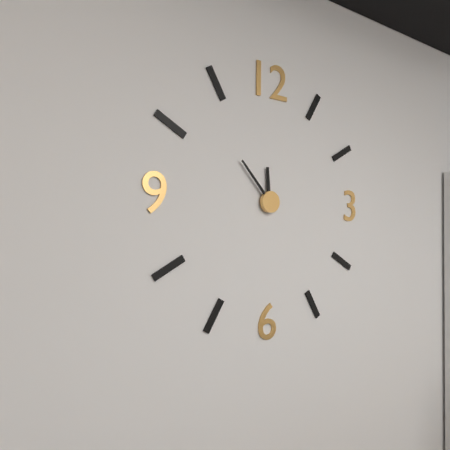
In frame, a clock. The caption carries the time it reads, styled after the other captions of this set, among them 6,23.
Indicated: 11,53
